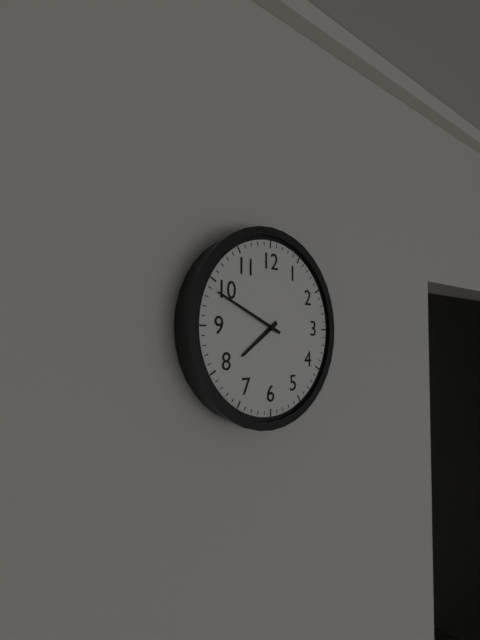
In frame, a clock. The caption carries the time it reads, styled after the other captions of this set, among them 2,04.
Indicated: 7,49
